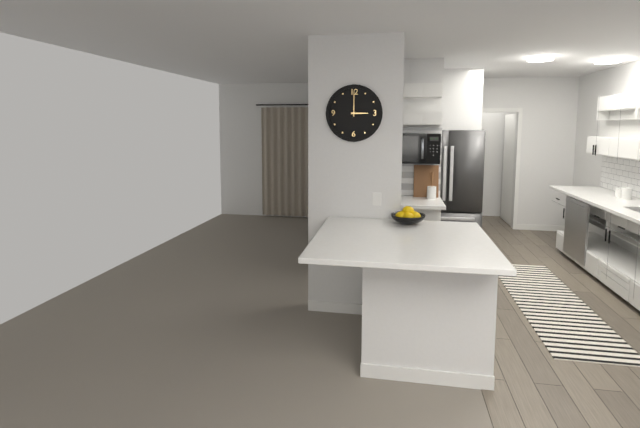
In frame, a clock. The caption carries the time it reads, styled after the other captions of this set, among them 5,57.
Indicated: 3,00
